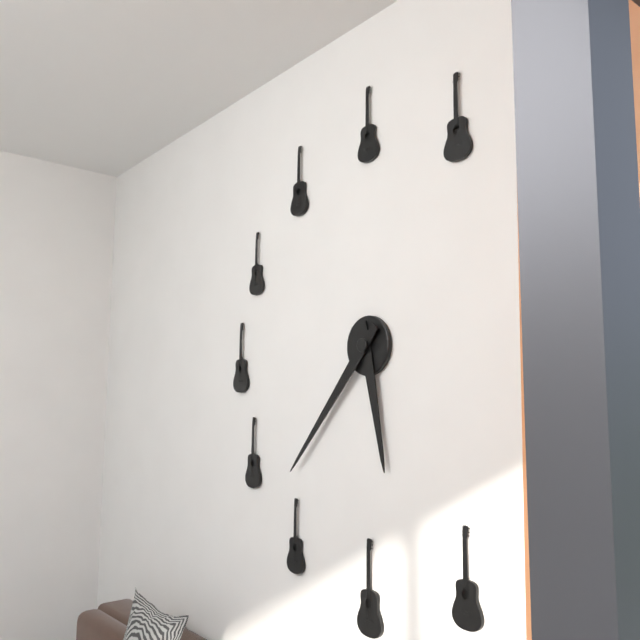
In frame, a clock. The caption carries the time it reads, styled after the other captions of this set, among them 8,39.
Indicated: 5,37
